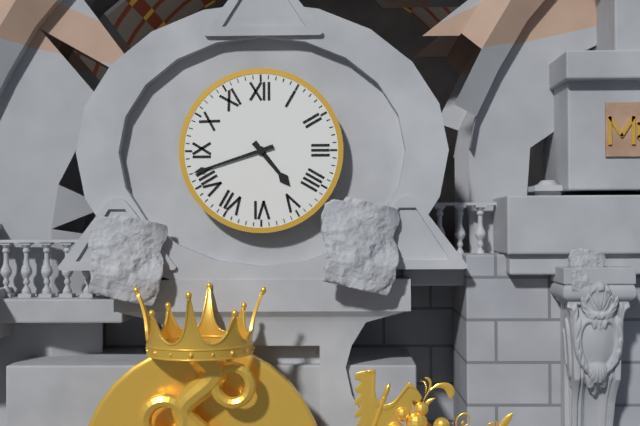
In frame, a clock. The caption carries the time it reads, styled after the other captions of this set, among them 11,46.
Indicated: 4,42
